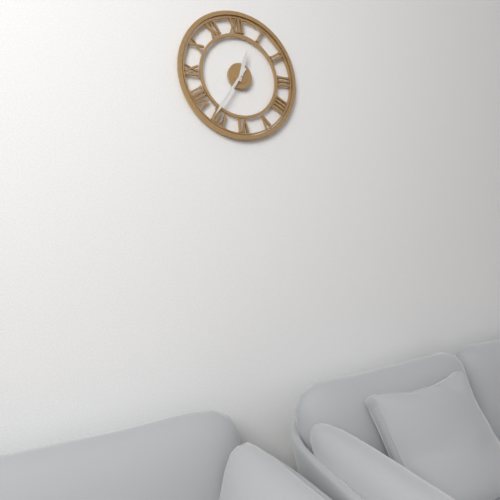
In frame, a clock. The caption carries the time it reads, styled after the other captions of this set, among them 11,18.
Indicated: 12,36
